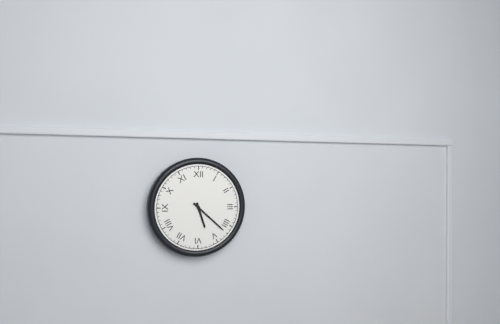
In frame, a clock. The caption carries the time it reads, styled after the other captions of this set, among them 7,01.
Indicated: 5,22
